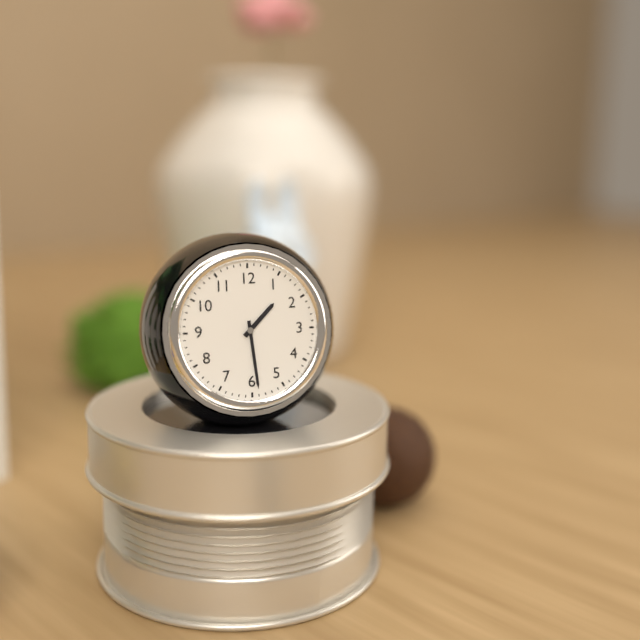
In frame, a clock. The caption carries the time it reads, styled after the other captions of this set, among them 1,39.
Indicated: 1,29
